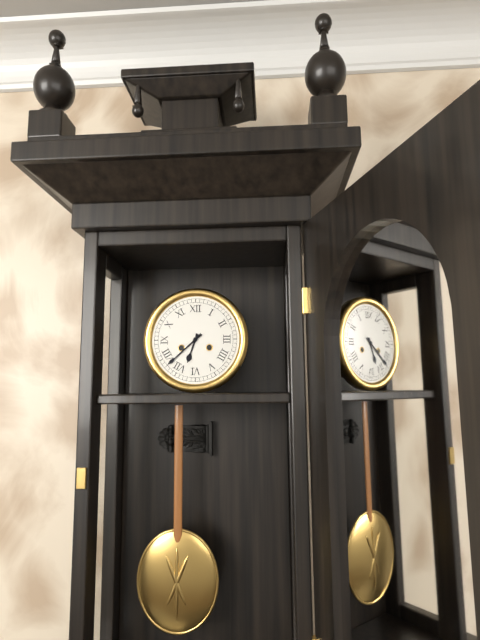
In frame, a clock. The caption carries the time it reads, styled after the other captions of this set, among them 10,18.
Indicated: 6,38
